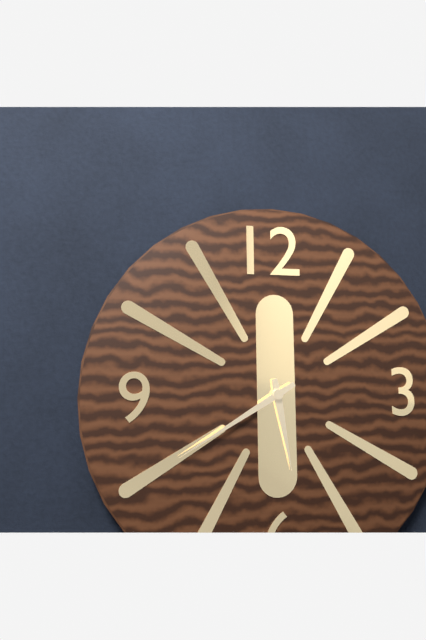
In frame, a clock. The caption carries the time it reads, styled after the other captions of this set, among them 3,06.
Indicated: 5,40
